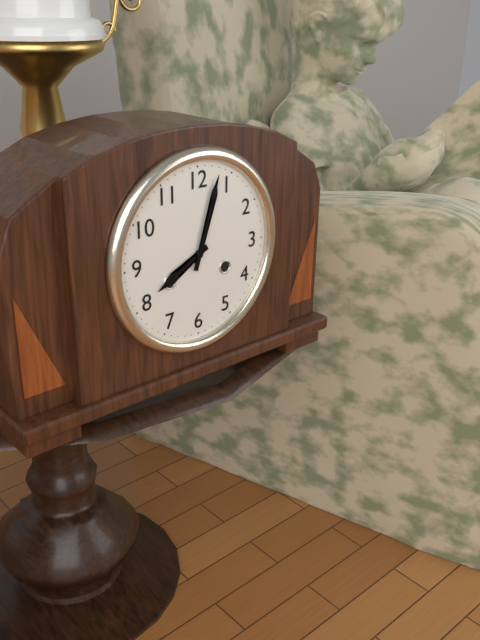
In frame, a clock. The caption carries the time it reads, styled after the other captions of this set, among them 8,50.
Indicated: 8,03
